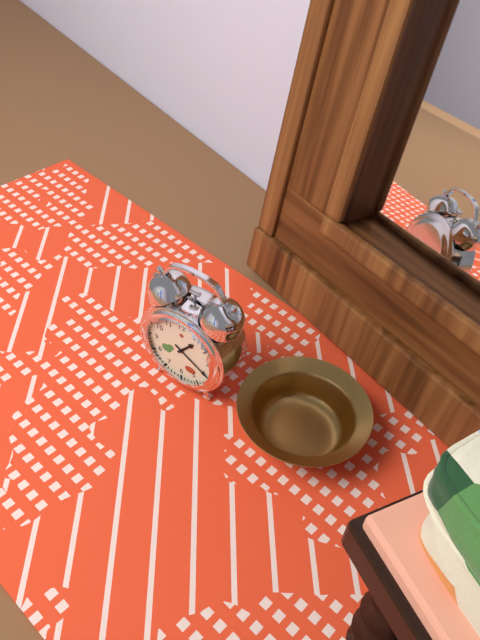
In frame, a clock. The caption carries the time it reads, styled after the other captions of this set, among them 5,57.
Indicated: 1,20
